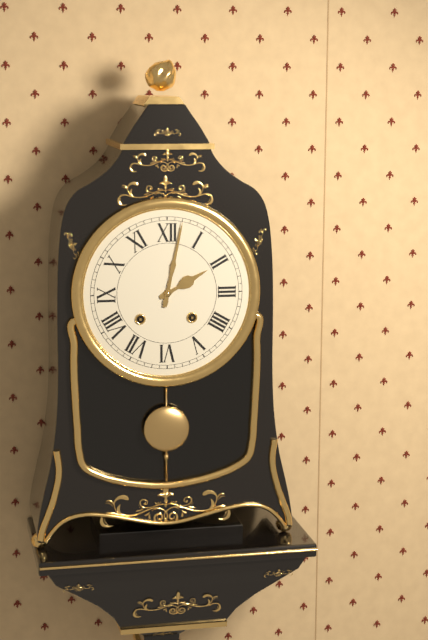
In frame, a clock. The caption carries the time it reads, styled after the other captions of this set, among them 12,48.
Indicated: 2,02
